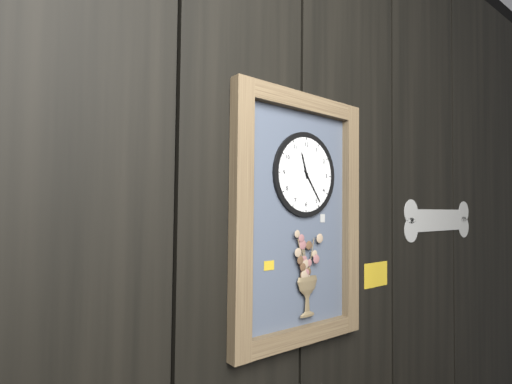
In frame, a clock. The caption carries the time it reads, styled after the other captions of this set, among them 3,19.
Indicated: 11,24
